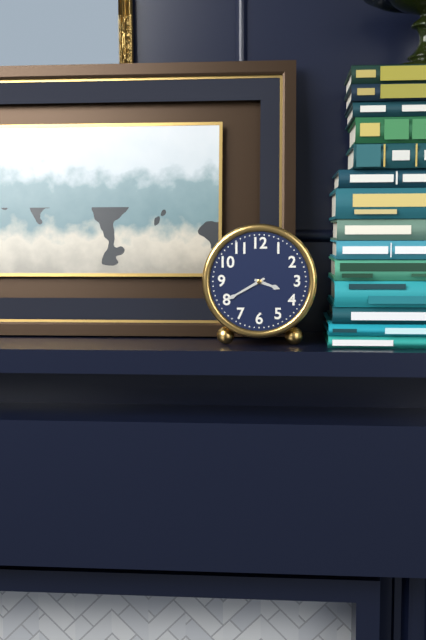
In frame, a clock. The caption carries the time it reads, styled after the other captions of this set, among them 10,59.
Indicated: 3,40
